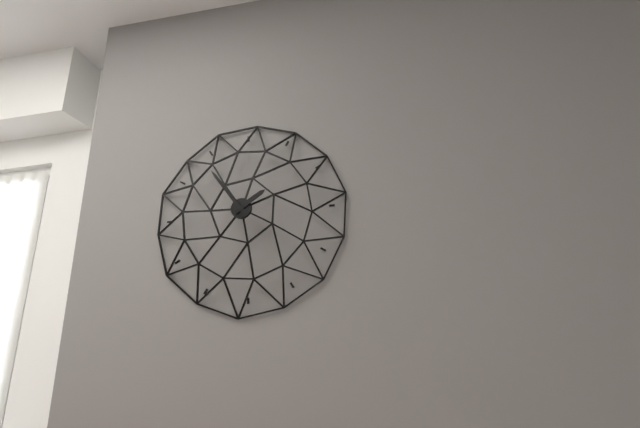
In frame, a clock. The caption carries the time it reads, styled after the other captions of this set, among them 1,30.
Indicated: 1,54
